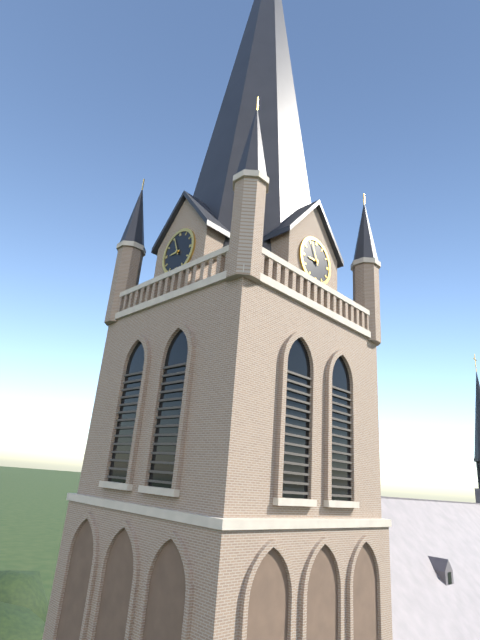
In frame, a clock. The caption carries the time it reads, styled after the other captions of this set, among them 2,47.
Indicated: 8,56
